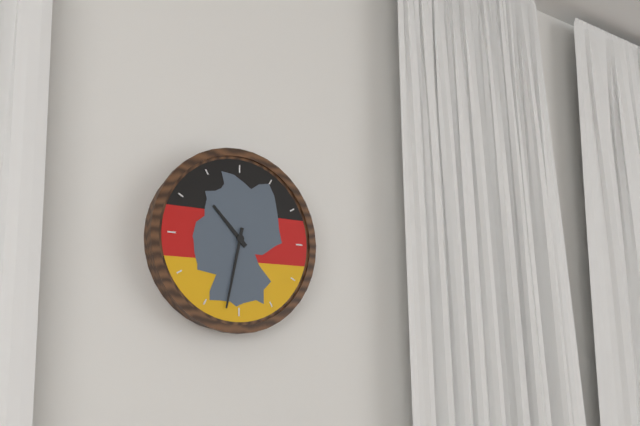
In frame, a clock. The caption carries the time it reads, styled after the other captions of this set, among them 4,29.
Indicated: 10,32
